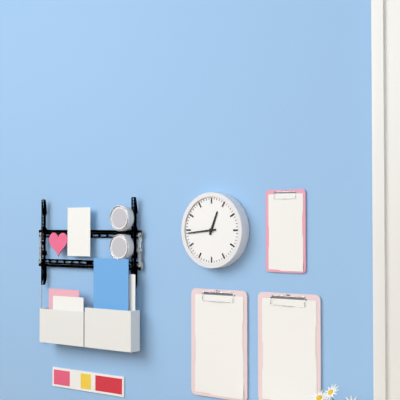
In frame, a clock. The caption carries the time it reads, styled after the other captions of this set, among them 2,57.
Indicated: 12,44
